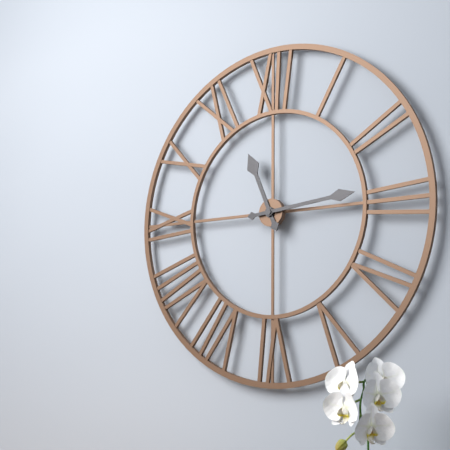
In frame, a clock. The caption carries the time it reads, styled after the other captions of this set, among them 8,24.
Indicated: 11,14
